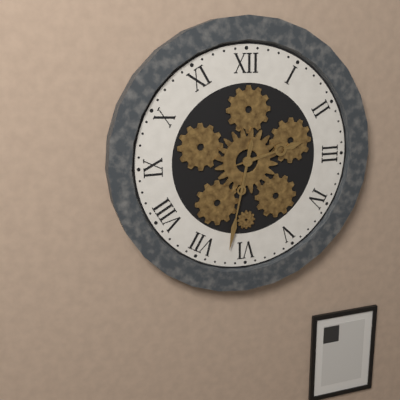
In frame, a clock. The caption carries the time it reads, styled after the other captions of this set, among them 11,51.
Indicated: 2,32
